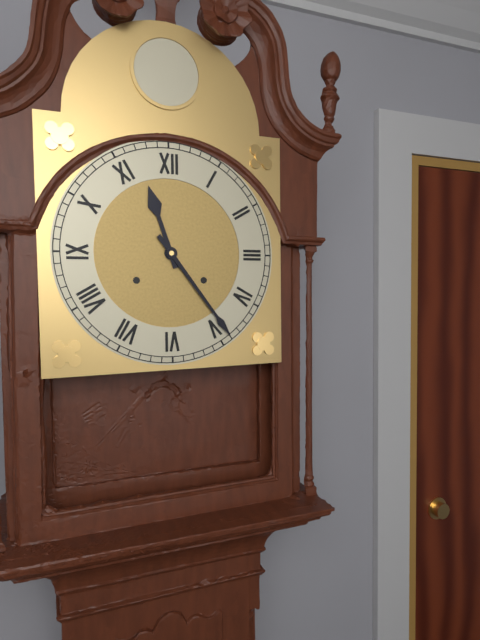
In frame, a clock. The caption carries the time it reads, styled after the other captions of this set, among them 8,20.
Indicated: 11,24
